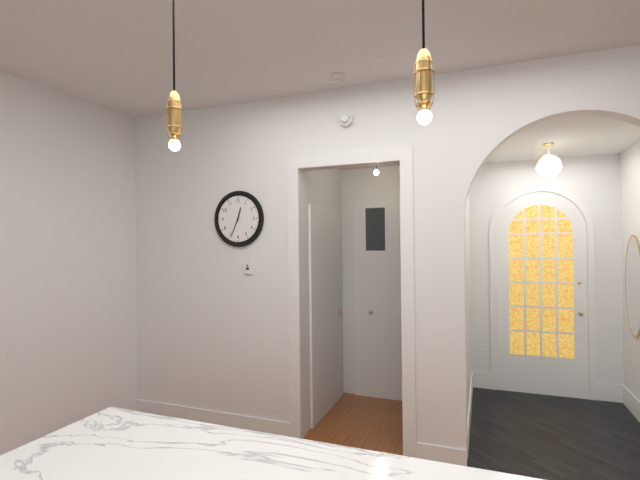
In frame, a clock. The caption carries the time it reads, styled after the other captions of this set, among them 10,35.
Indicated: 12,34
